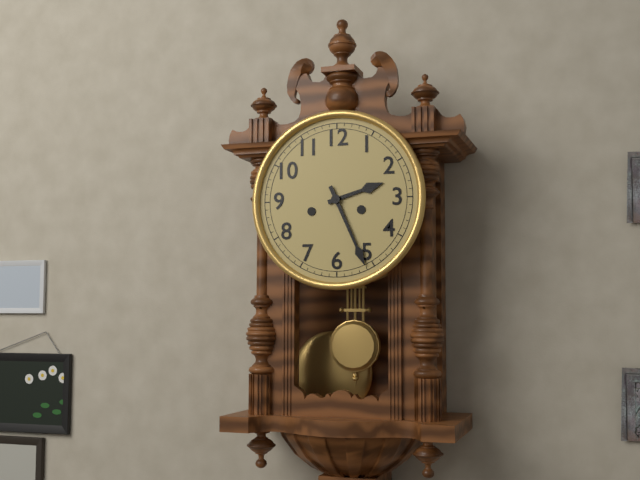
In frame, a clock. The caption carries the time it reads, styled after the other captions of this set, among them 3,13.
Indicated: 2,26
